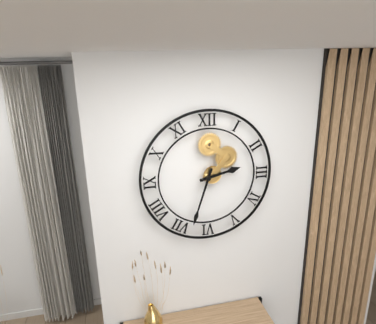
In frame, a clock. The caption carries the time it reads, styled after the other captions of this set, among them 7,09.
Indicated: 2,33
